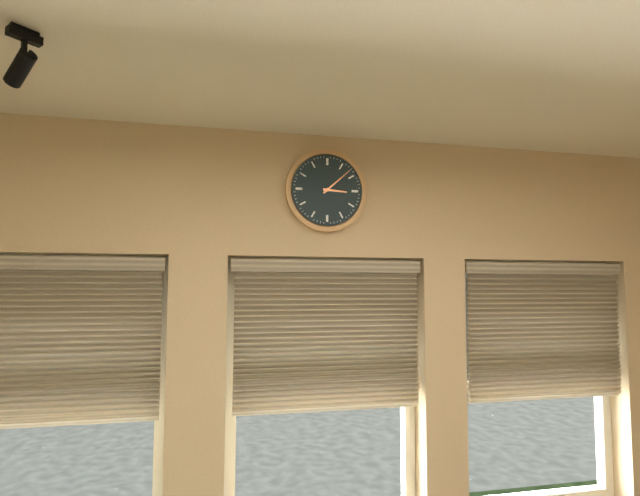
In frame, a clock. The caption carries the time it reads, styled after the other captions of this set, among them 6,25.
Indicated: 3,08
